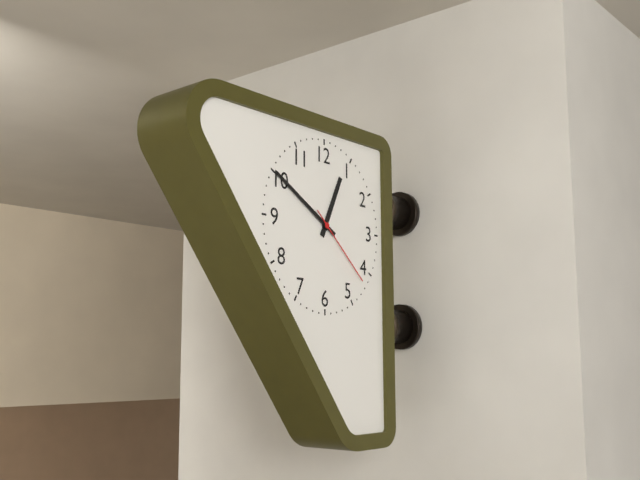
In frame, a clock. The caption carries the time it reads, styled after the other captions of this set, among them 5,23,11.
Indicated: 12,50,22
